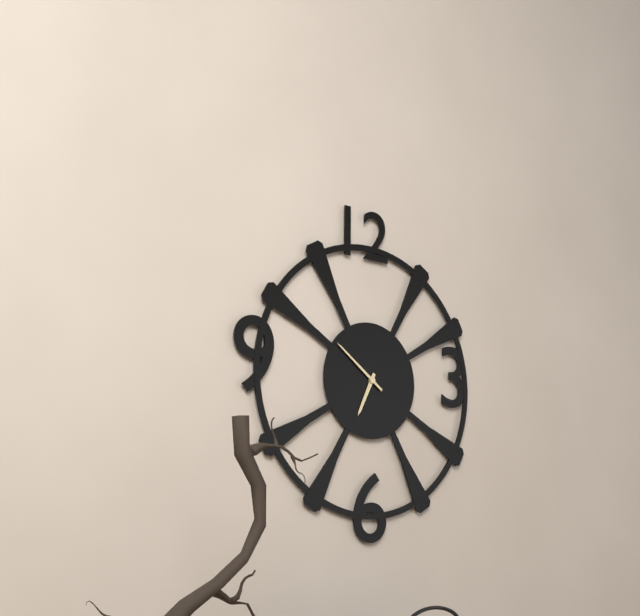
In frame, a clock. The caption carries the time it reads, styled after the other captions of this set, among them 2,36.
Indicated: 6,51
